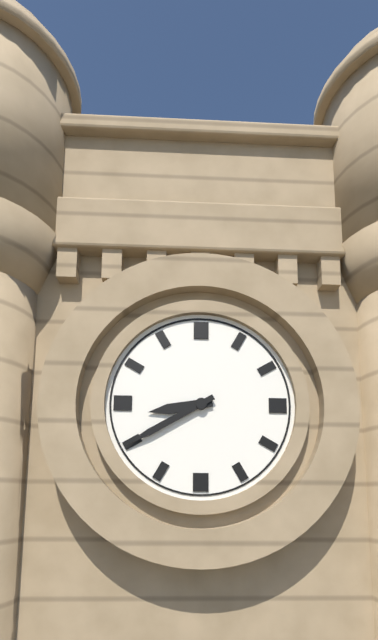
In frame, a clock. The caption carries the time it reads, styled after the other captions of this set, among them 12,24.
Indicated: 8,40
